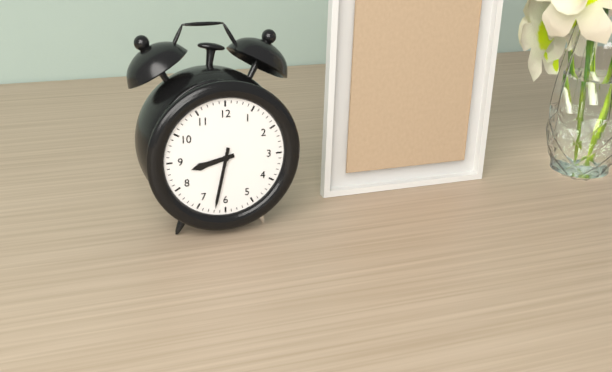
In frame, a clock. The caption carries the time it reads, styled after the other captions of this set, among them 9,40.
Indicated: 8,32
